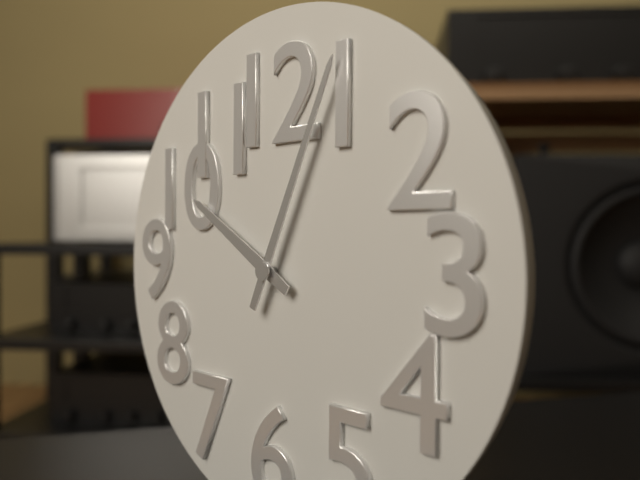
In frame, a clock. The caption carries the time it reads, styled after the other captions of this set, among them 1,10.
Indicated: 10,04
